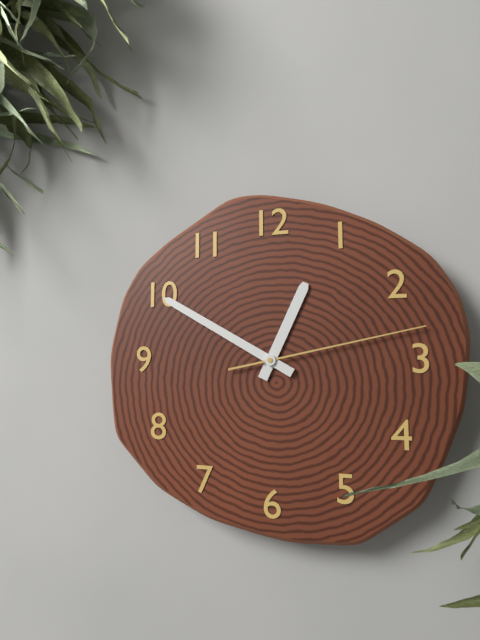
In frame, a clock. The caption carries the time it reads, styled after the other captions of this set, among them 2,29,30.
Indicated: 12,50,13
